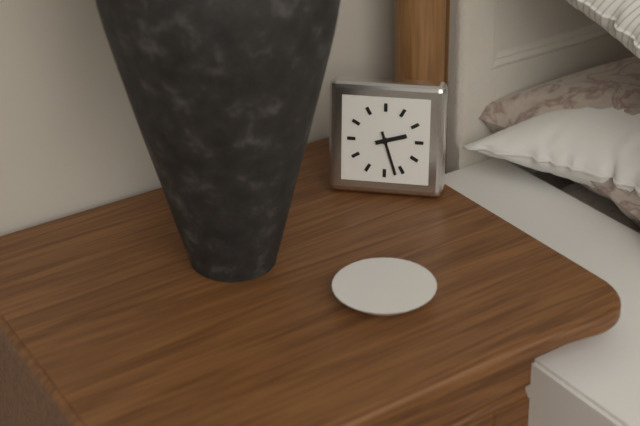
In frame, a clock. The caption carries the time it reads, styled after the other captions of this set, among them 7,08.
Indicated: 2,27
